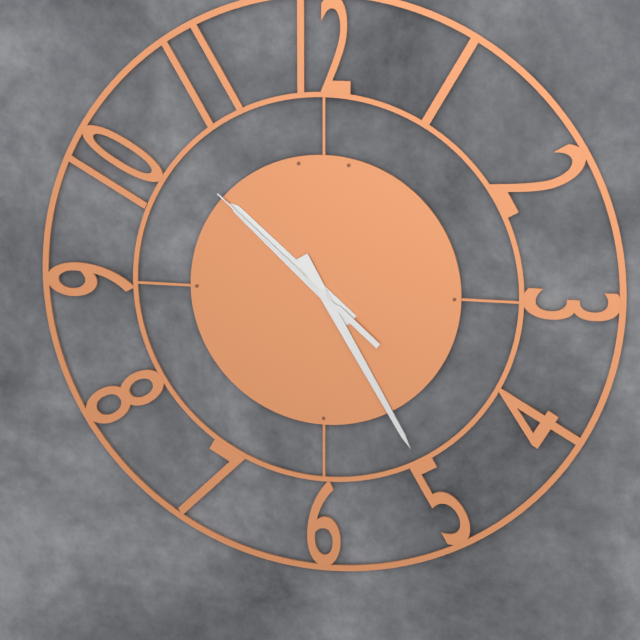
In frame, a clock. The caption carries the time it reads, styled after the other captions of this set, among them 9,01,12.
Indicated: 10,25,52
